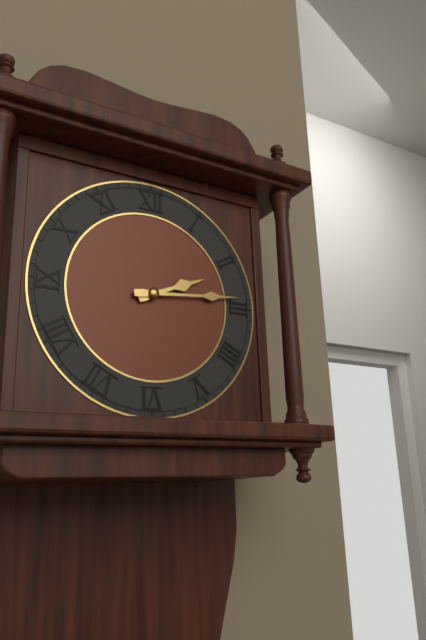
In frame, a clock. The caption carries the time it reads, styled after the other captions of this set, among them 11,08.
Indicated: 2,14
